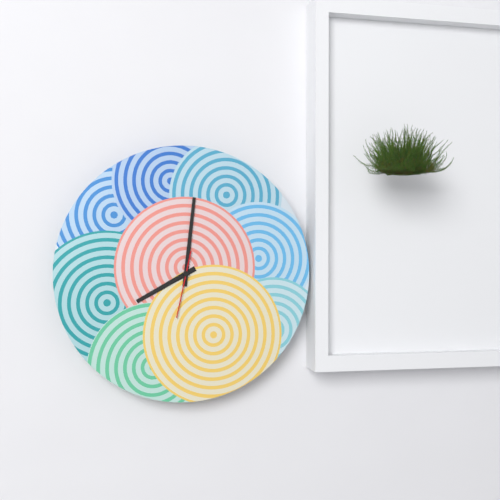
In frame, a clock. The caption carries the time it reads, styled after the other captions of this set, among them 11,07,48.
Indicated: 8,01,32
